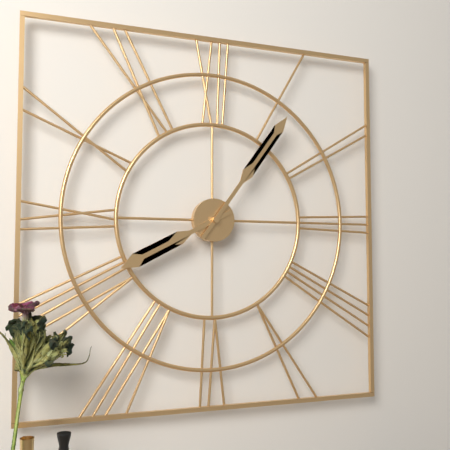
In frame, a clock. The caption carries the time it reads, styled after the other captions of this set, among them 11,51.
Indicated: 8,06
